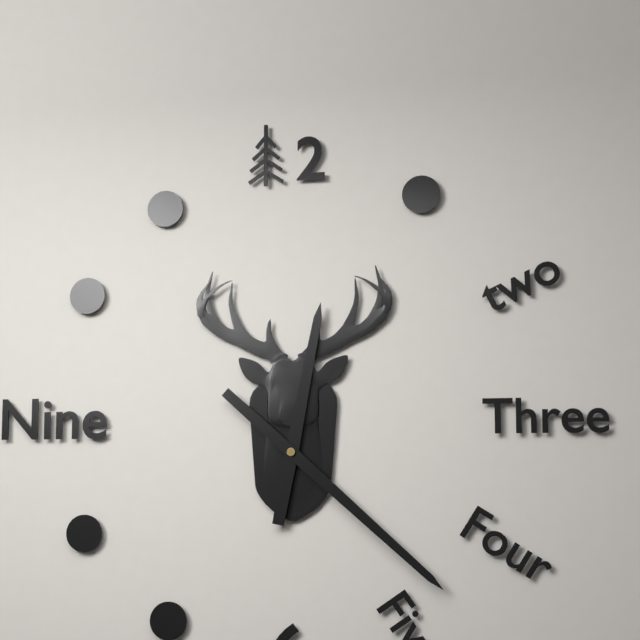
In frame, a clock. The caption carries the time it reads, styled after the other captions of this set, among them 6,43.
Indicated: 12,22
